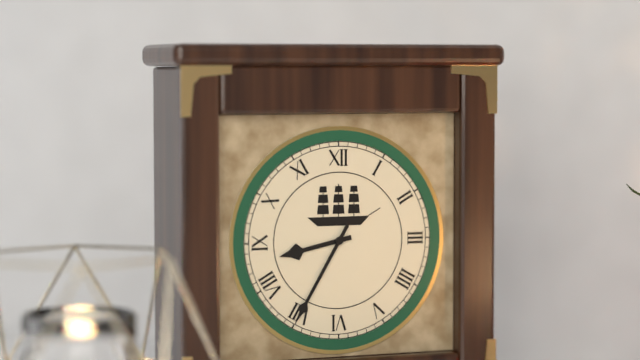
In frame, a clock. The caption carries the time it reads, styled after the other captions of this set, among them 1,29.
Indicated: 8,35
